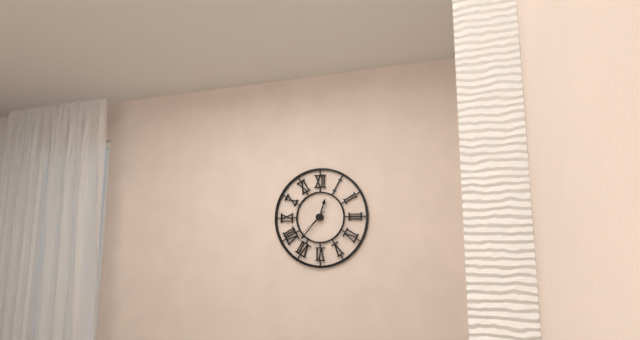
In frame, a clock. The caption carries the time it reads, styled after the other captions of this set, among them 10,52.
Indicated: 12,37
